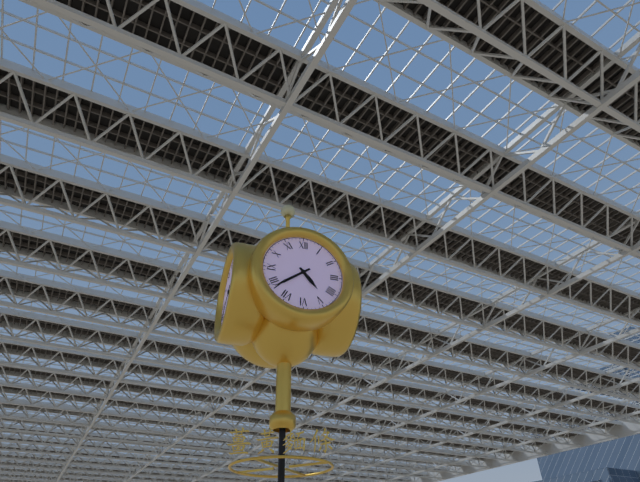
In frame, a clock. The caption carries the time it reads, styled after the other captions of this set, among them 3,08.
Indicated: 4,39
